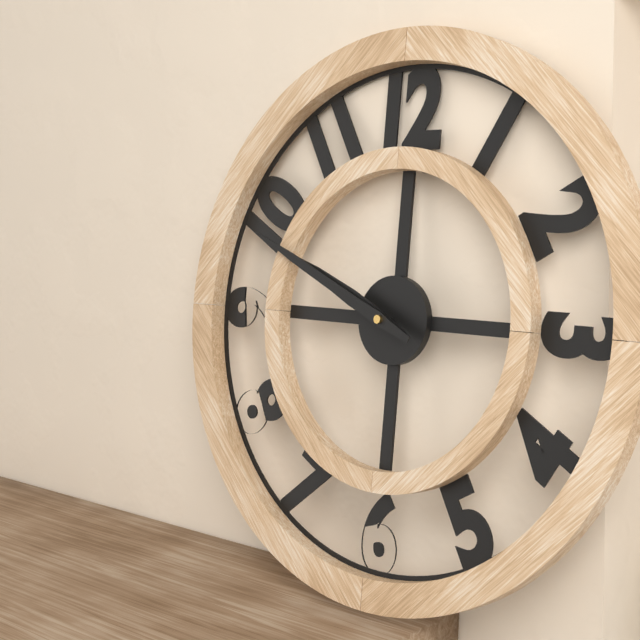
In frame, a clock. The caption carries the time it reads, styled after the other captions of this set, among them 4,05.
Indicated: 9,49
